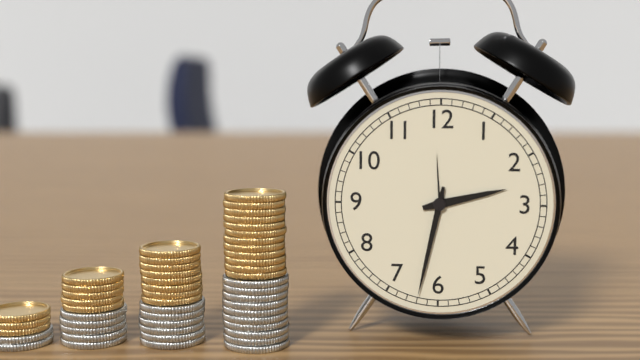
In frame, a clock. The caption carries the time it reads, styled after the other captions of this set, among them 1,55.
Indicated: 2,32
